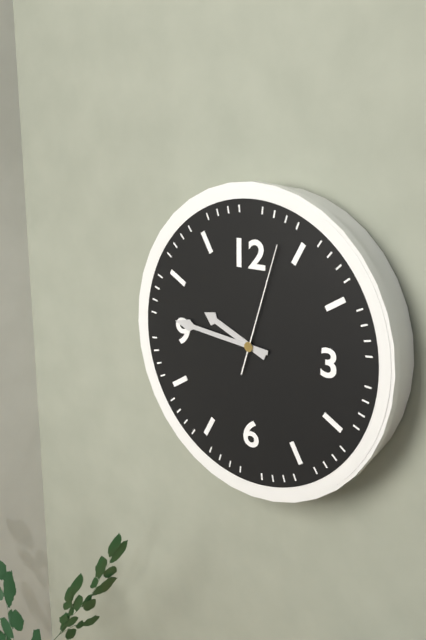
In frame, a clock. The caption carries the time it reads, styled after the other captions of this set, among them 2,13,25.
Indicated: 9,46,03
